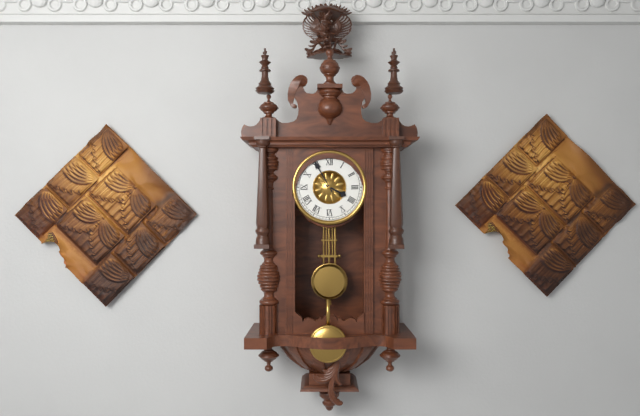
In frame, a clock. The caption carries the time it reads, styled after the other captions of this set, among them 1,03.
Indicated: 3,55
